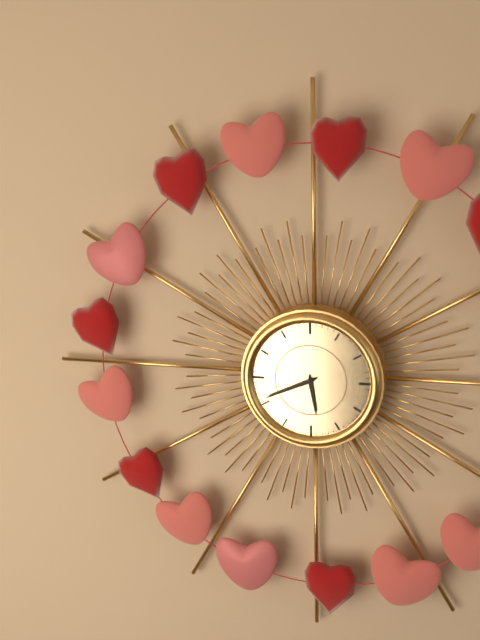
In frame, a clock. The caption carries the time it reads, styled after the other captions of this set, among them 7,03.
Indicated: 5,41
